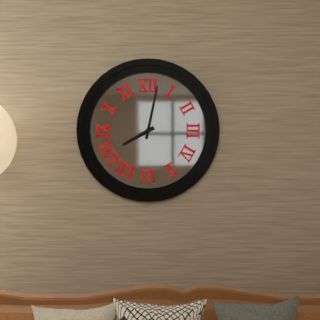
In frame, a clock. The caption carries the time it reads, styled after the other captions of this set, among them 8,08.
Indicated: 8,02
